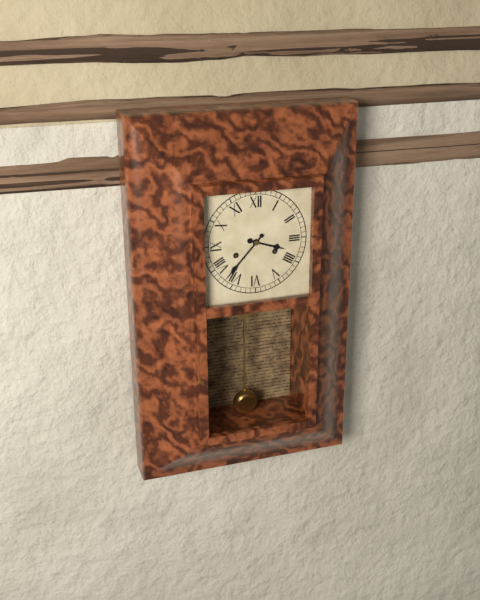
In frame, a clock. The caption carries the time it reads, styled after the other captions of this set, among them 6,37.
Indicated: 3,37
